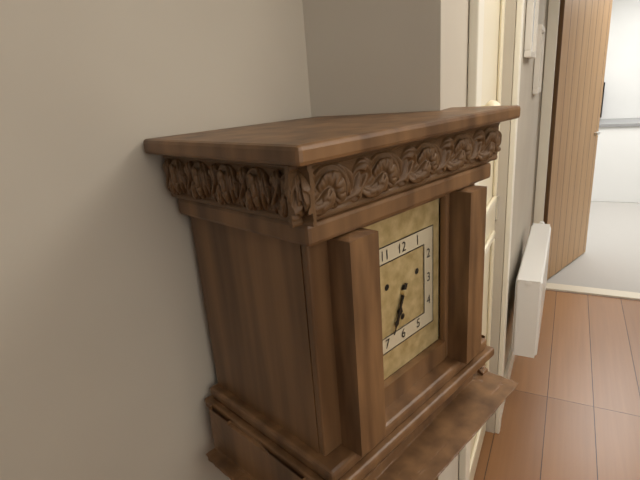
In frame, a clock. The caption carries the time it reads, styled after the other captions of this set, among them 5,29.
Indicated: 6,34
